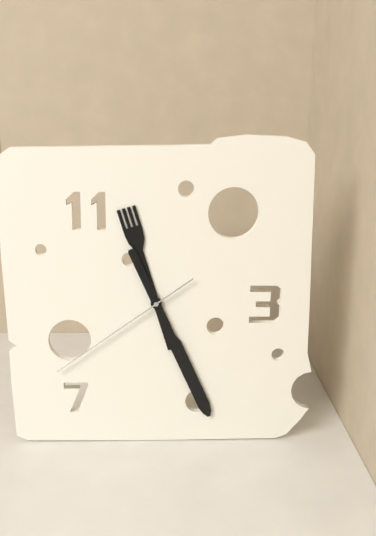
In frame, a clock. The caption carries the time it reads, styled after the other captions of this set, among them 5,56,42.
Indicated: 11,26,39
